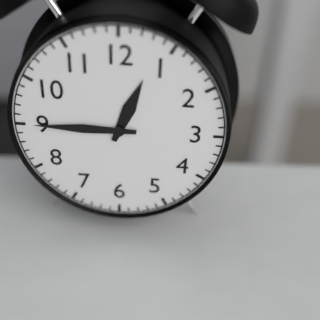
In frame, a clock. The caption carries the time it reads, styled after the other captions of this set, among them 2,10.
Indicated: 12,45
